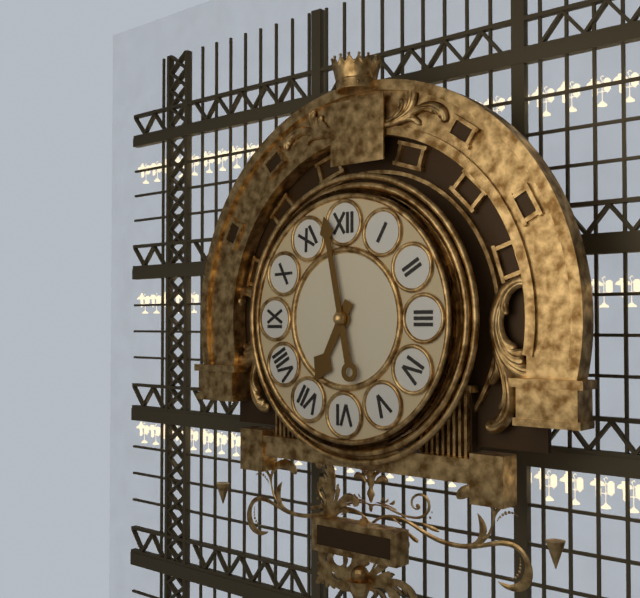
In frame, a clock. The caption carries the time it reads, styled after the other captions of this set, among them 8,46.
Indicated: 6,58
